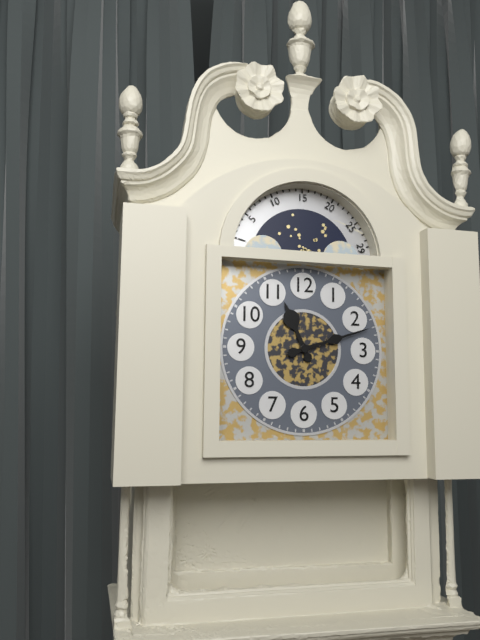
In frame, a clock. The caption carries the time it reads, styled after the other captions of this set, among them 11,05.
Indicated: 11,12
